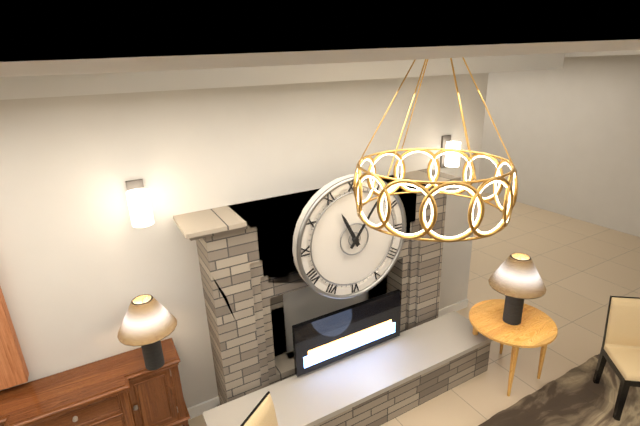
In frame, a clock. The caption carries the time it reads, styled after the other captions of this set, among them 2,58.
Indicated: 11,06
